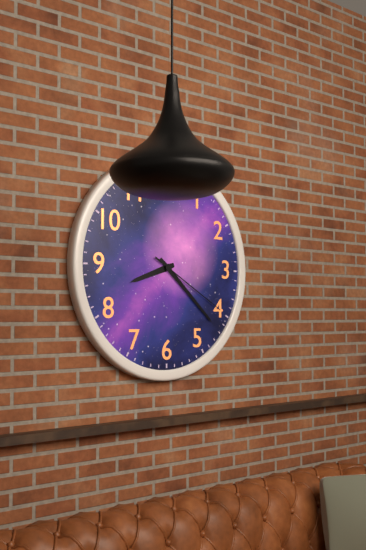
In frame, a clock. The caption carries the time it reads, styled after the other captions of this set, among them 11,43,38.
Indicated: 8,22,20
